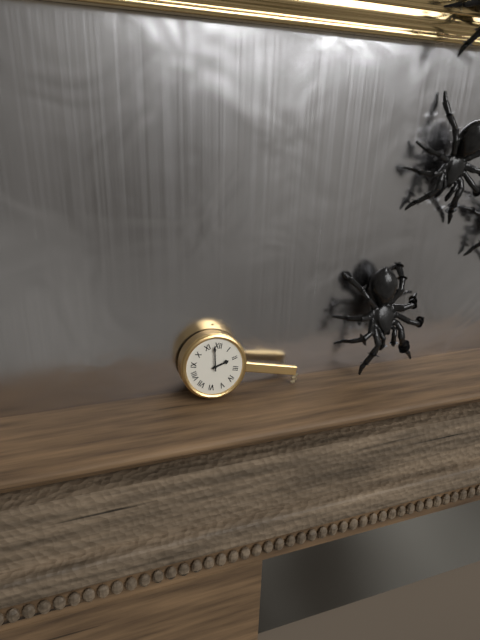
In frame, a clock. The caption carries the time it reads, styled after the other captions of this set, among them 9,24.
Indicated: 1,58
